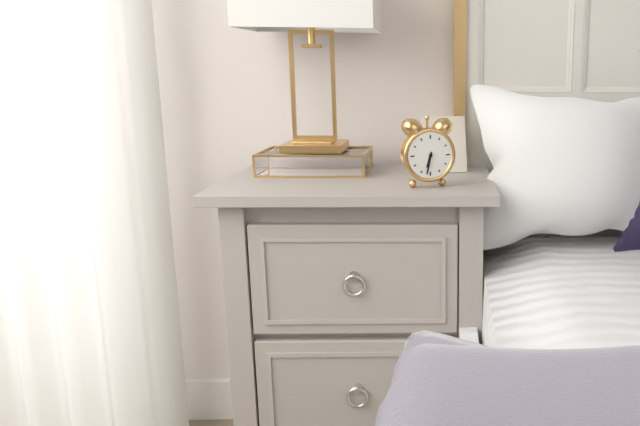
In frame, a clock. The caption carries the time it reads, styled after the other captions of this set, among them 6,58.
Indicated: 6,32
